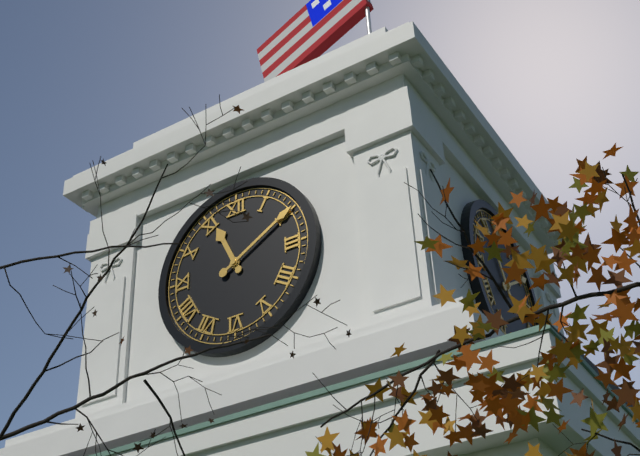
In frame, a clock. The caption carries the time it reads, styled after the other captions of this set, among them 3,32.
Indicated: 11,10
